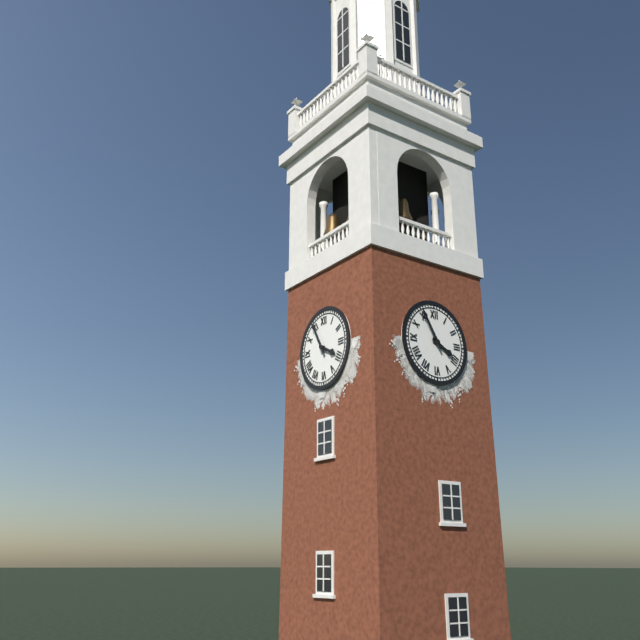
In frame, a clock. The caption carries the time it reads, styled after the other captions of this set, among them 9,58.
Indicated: 3,55
